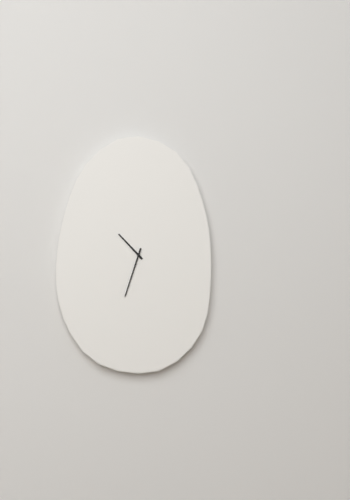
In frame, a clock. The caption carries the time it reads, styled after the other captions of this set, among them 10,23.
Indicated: 10,33
